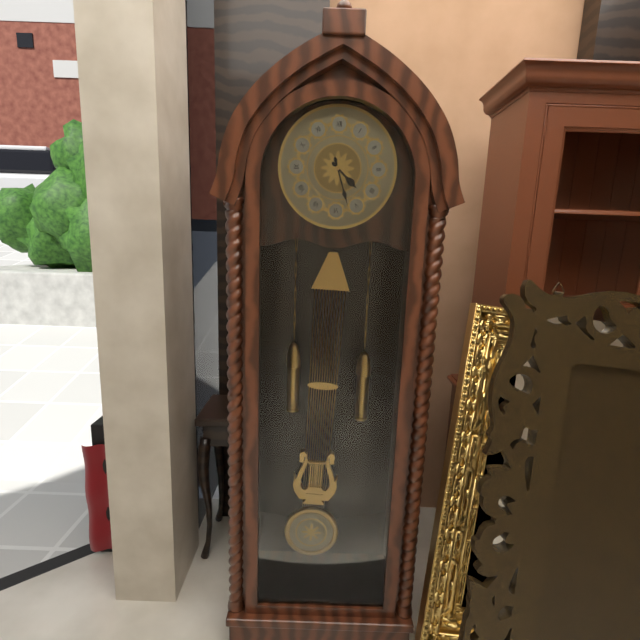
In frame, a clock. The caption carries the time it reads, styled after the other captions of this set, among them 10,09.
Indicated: 4,27
